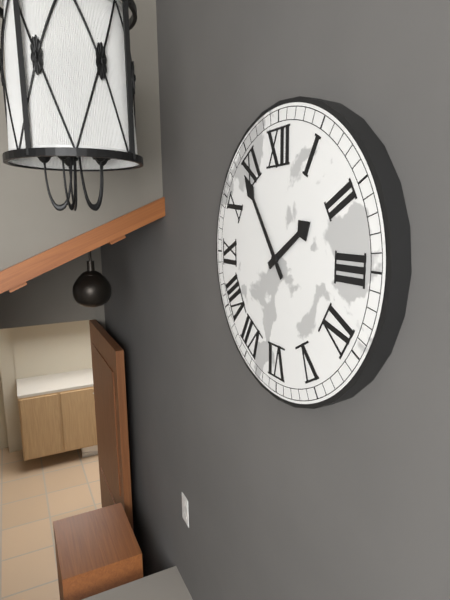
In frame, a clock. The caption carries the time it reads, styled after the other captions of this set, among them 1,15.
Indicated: 1,54
